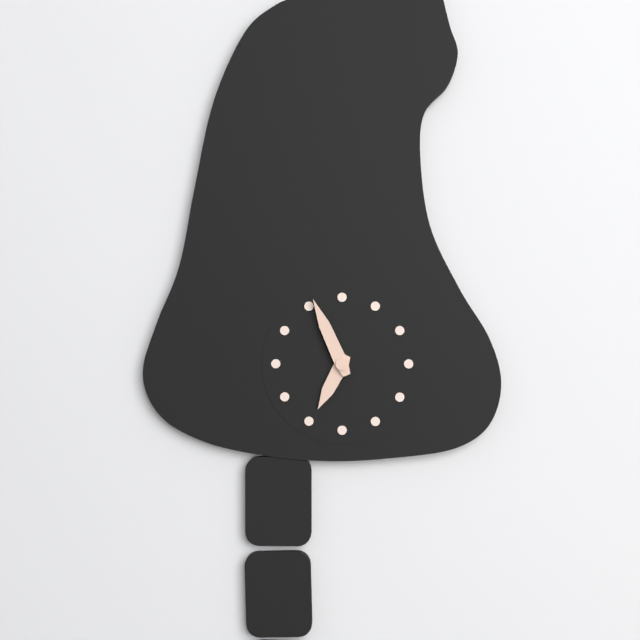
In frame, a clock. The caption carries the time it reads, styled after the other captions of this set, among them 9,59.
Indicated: 6,56
